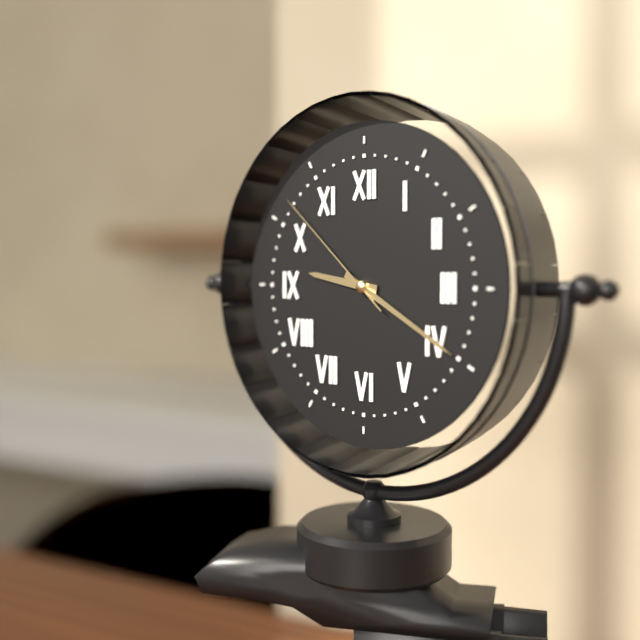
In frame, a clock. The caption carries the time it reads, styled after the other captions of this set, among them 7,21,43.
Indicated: 9,20,52
